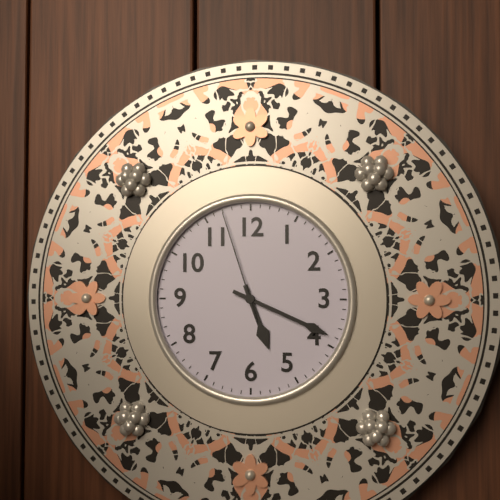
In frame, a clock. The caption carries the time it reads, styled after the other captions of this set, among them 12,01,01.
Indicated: 5,19,57
